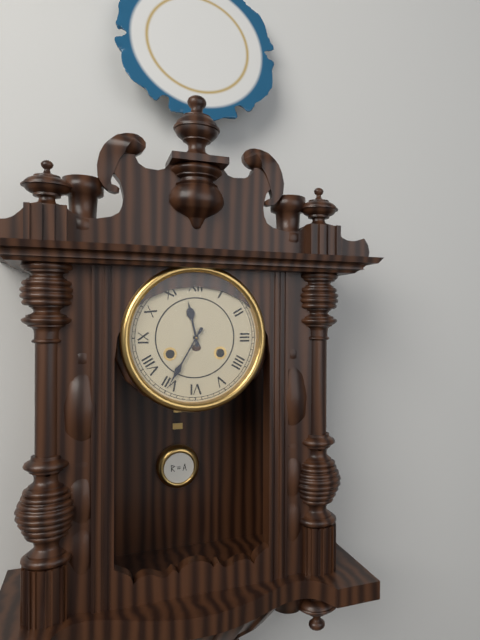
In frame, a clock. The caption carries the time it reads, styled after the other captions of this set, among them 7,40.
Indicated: 11,35
